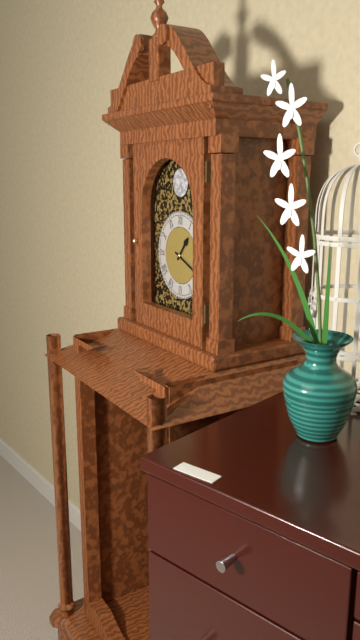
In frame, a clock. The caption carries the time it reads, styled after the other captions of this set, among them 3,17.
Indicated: 1,19
